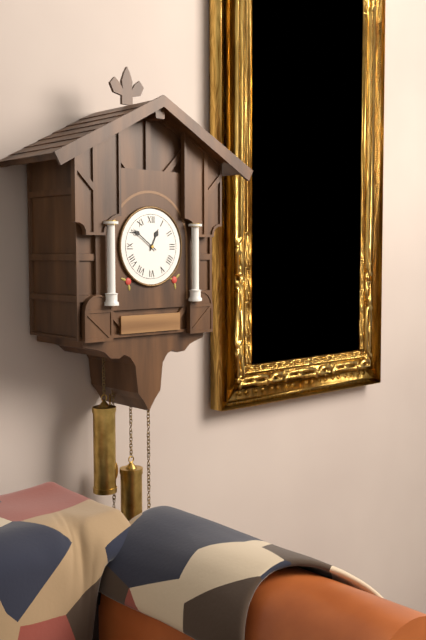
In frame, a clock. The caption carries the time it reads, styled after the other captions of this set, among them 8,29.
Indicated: 12,51
